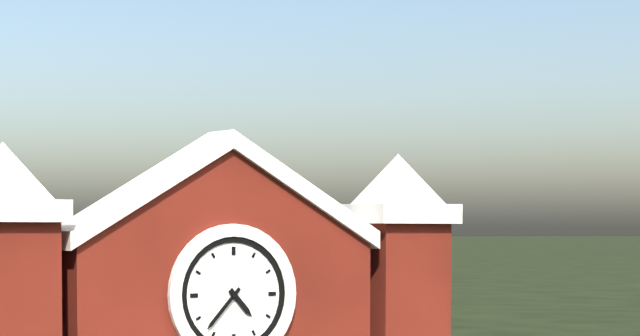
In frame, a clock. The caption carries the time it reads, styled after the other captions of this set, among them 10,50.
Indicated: 4,37
